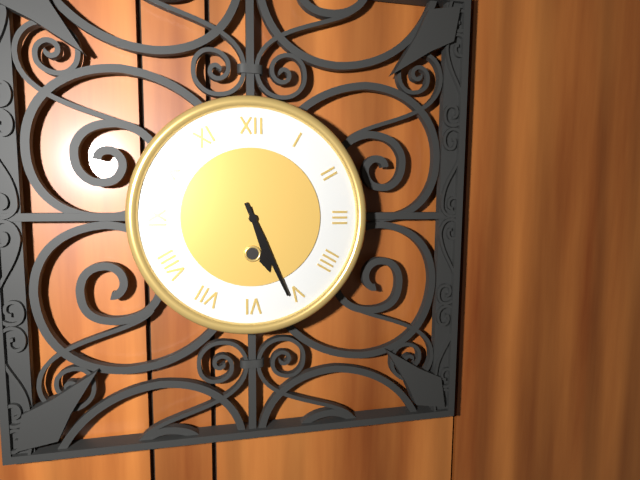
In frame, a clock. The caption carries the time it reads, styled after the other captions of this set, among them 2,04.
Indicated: 5,26
